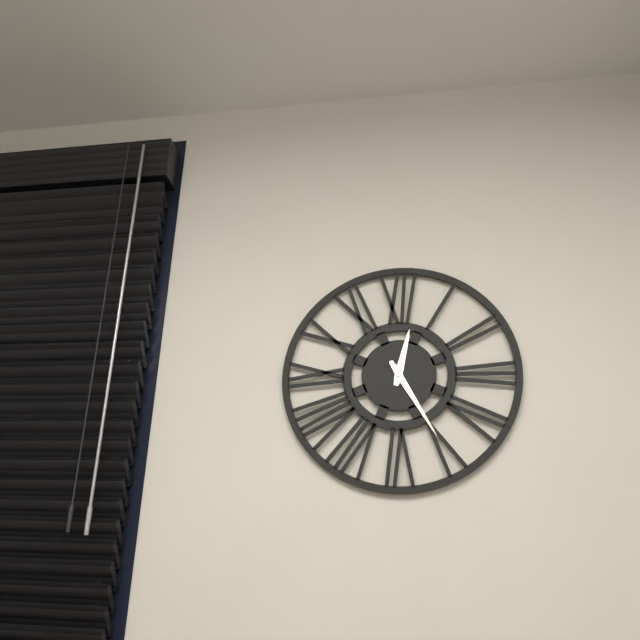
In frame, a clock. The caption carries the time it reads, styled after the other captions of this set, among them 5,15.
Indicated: 12,25
